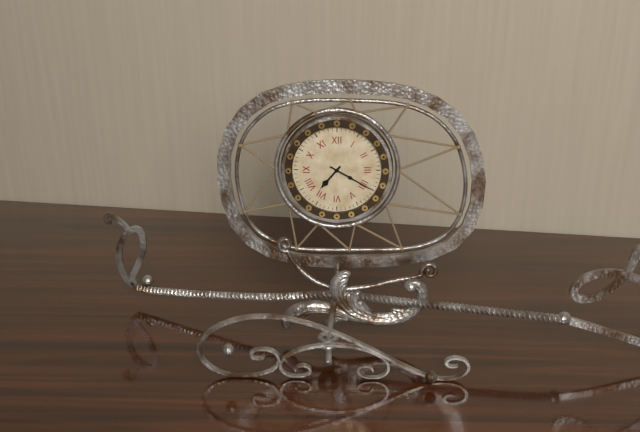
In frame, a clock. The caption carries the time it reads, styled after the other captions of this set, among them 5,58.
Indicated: 7,20
